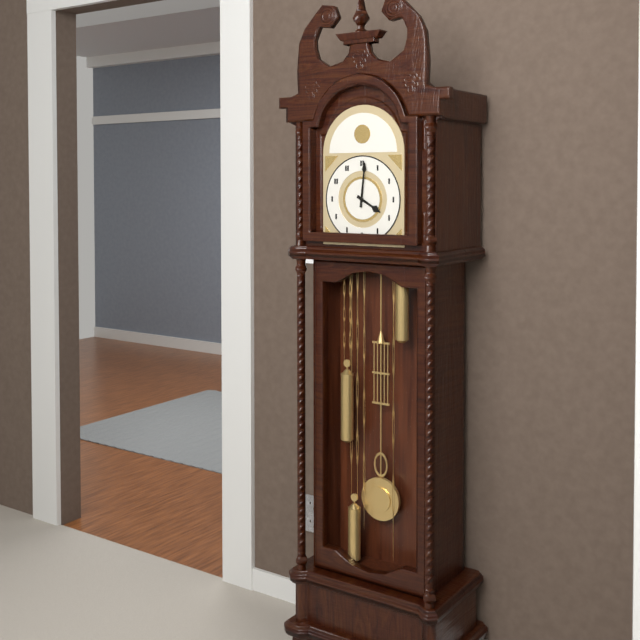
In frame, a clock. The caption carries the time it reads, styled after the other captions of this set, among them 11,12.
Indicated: 4,01
